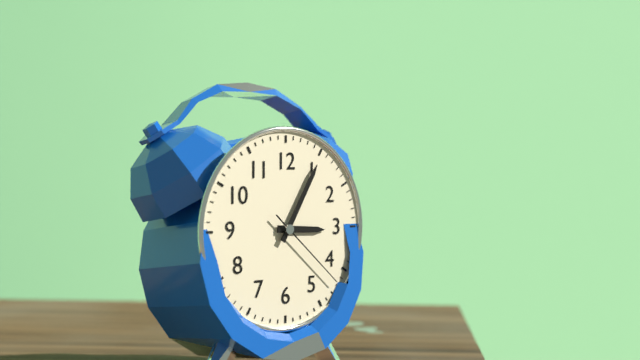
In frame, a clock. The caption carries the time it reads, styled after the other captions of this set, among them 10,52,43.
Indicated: 3,05,22
